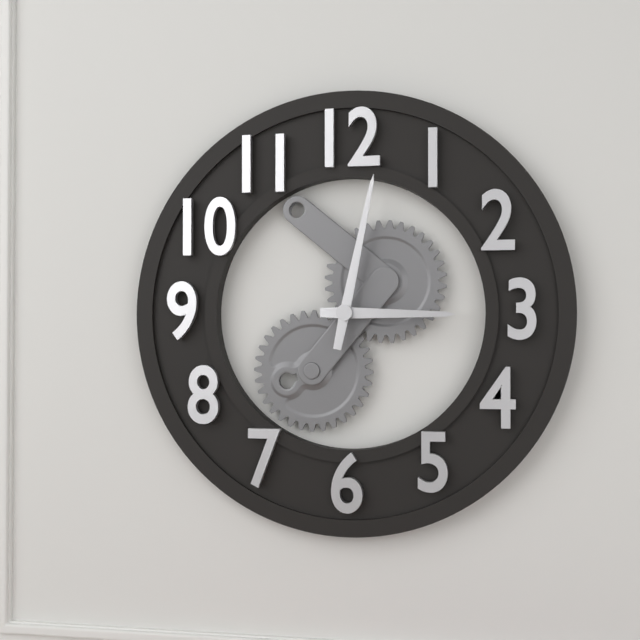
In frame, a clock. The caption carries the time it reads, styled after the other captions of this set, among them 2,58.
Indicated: 3,02
